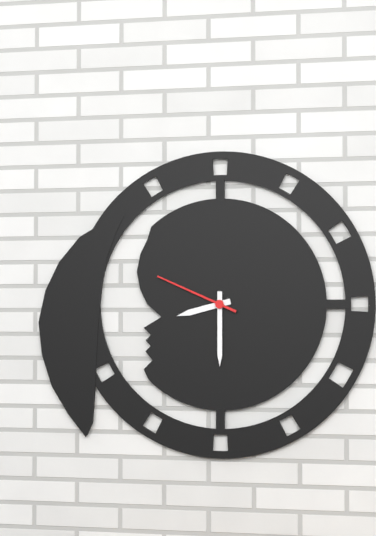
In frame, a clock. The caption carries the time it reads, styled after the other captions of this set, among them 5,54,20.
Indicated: 8,30,49
